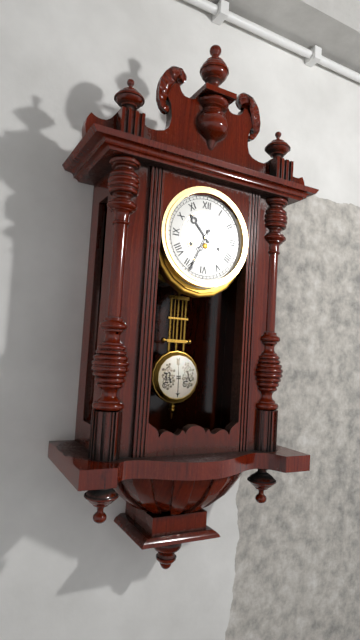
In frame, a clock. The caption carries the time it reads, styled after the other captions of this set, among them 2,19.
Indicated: 10,34
